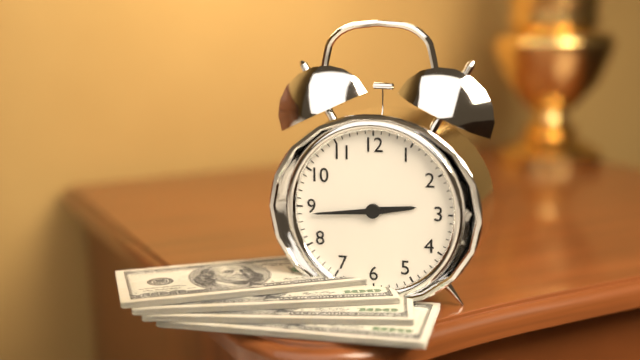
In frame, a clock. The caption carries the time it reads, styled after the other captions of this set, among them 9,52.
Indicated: 2,44
